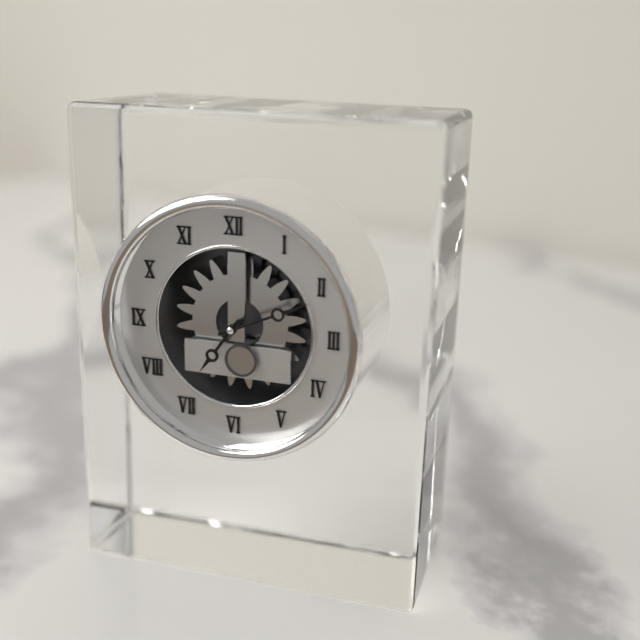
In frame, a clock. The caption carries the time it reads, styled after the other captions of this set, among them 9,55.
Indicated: 7,11
